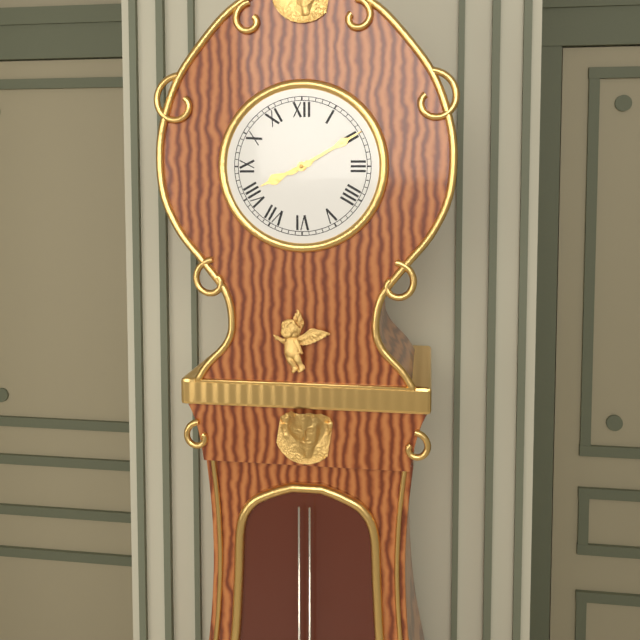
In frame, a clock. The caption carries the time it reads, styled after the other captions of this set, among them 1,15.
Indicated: 8,10
